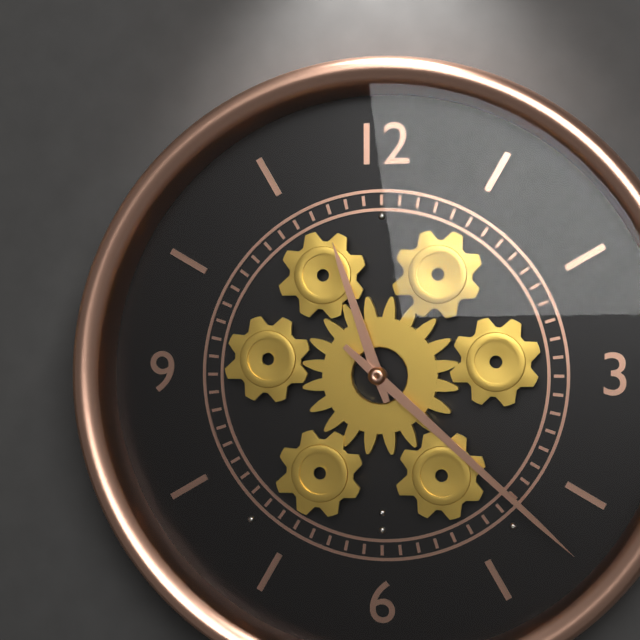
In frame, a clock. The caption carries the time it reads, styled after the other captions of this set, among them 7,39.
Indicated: 11,22
